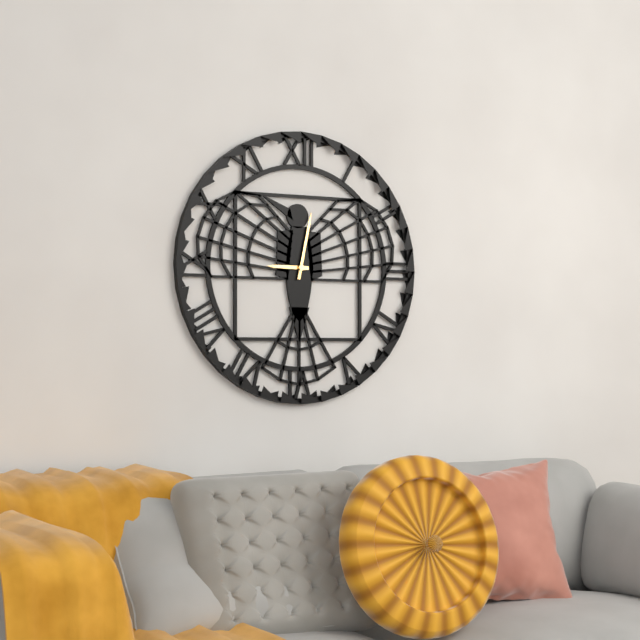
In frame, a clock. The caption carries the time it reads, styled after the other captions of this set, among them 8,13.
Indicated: 9,02
